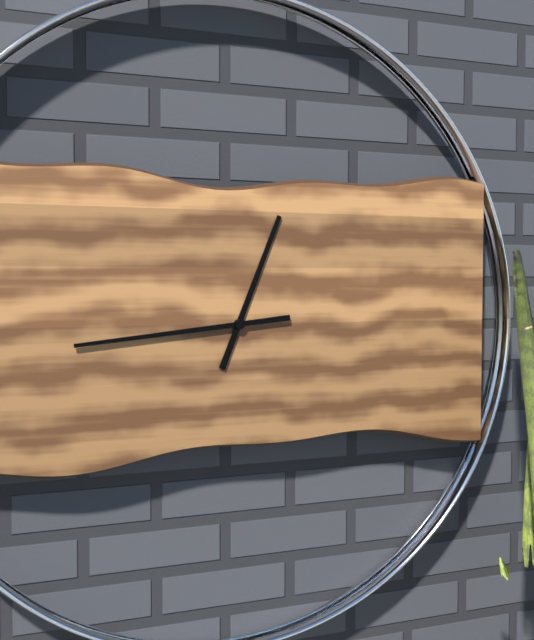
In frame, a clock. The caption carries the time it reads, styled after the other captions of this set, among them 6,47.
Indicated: 12,44
